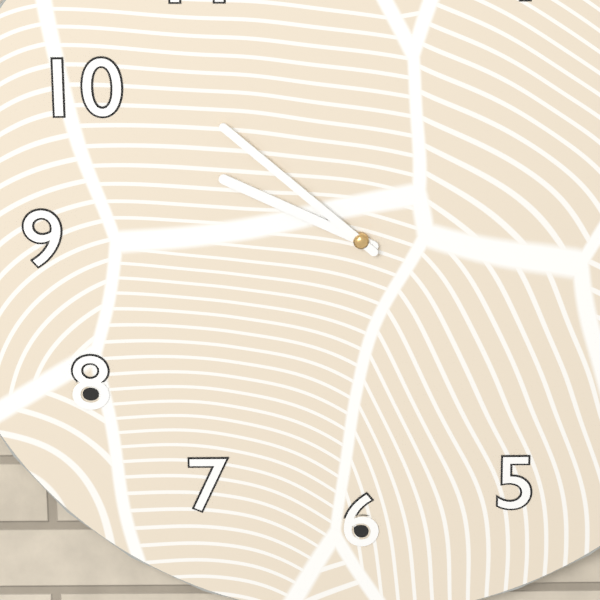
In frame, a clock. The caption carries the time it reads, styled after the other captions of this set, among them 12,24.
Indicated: 9,52
